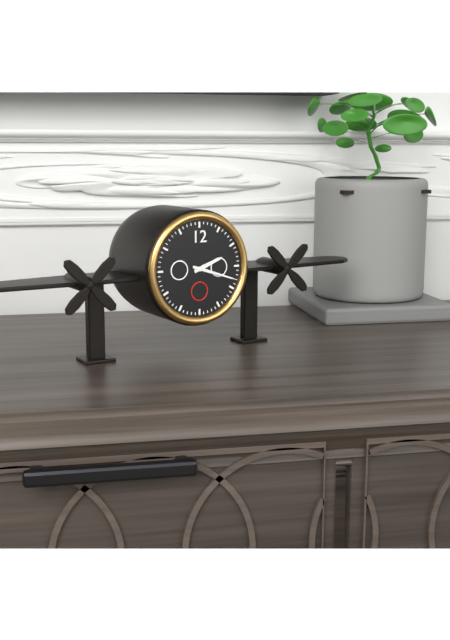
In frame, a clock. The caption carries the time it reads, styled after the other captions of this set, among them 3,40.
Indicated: 2,18
